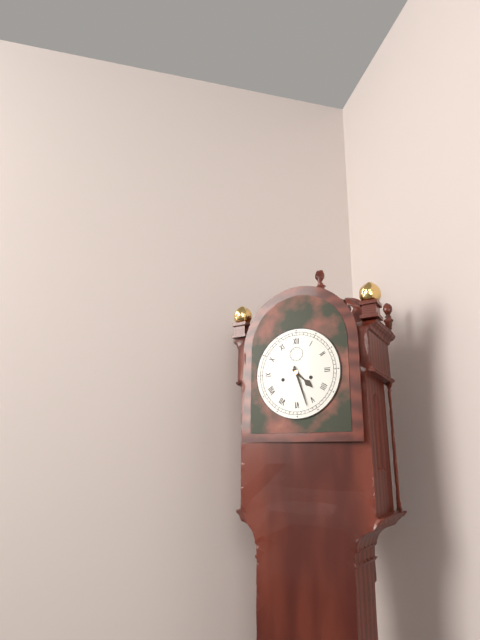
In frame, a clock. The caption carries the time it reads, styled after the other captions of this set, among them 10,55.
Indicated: 4,27
